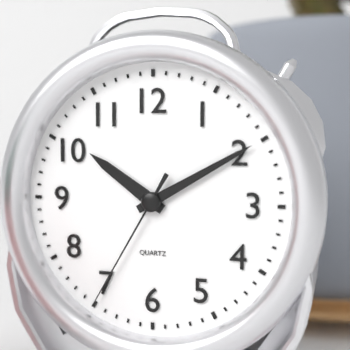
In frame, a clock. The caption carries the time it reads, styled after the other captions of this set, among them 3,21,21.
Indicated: 10,10,35
